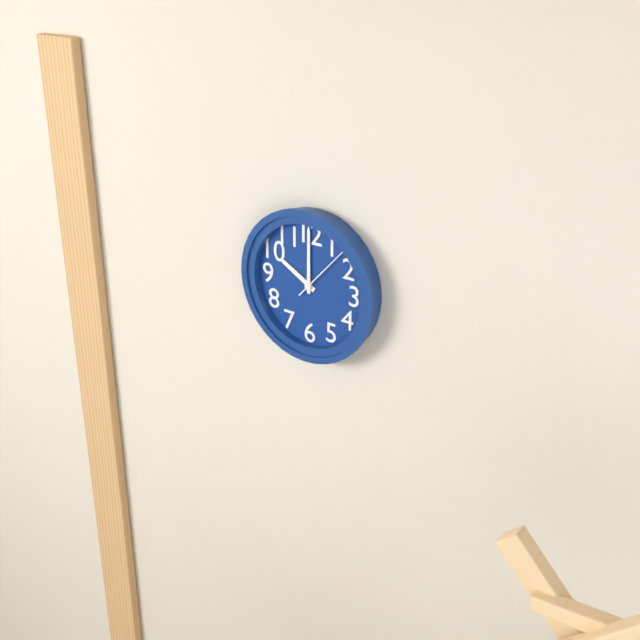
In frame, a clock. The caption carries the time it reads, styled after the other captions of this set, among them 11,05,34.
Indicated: 10,00,07
